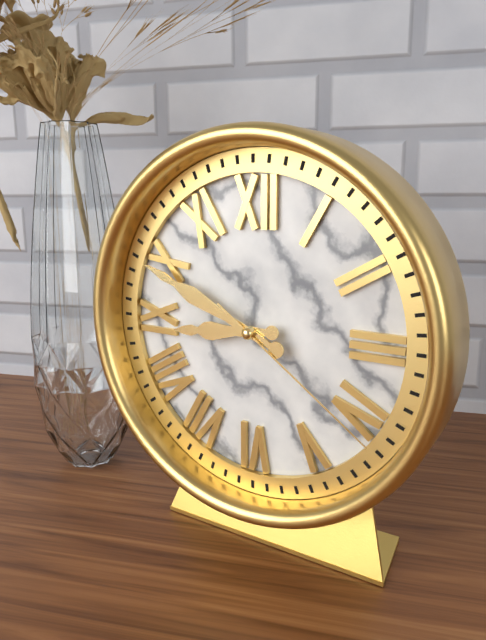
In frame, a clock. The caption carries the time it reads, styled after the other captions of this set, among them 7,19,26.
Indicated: 8,49,21
